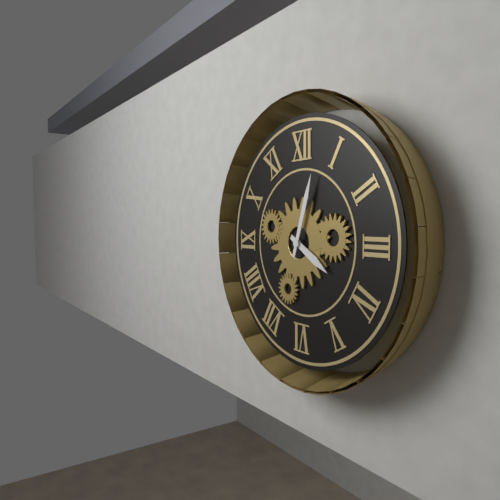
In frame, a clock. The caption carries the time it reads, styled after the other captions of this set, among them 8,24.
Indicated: 4,03
